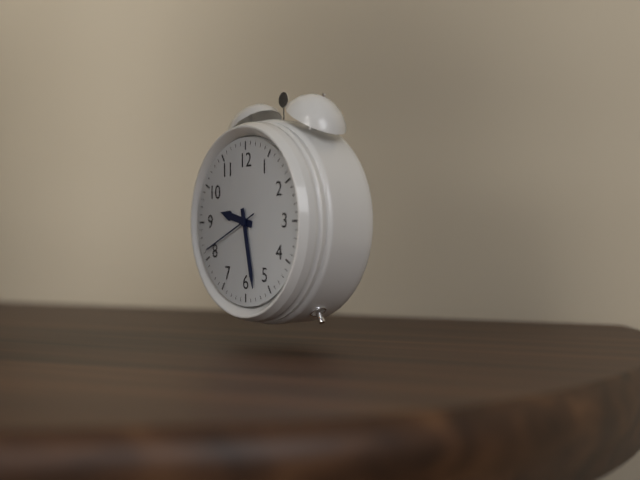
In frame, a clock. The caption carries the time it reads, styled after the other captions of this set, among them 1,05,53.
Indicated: 9,28,41
